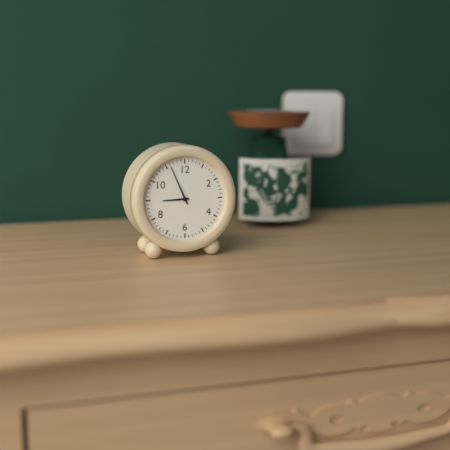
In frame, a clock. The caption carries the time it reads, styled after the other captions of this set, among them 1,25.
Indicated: 8,56
